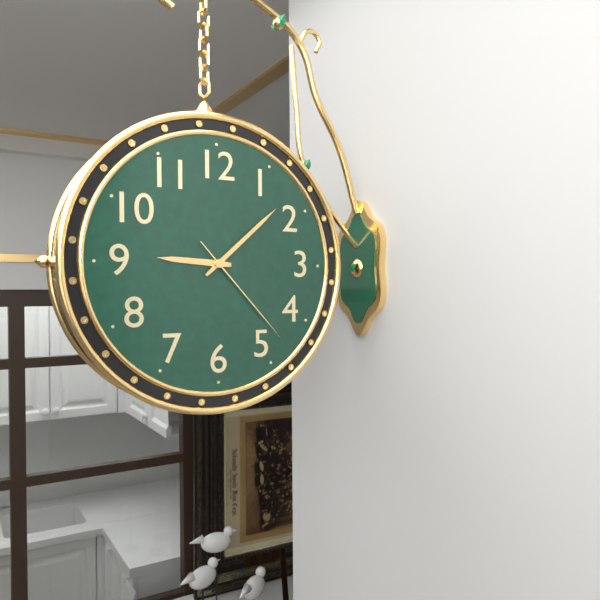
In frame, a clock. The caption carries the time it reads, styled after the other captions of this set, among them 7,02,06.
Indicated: 9,08,23
